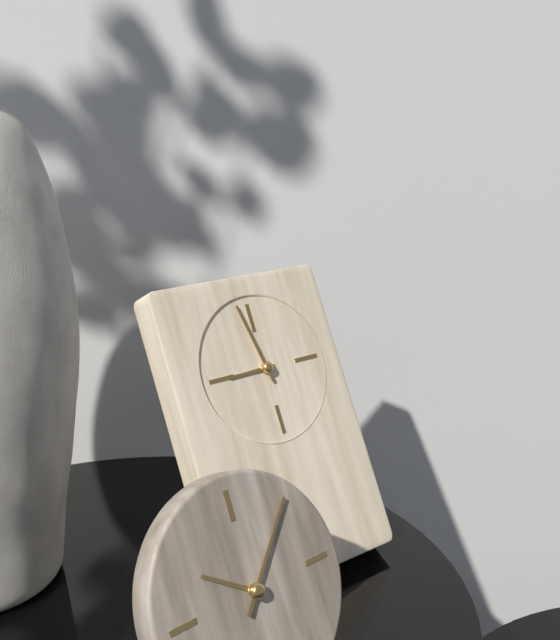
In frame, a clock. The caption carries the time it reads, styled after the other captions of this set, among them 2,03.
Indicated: 8,58
